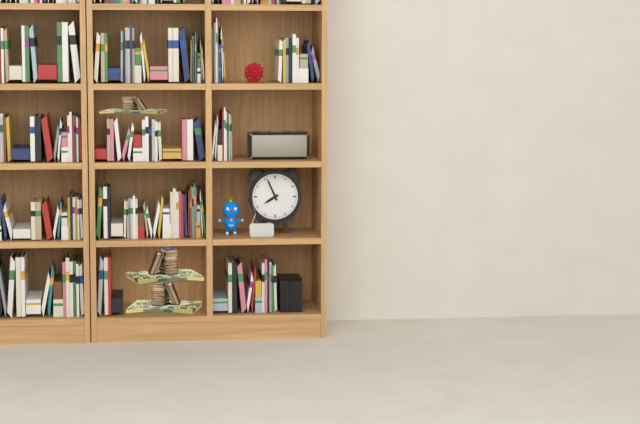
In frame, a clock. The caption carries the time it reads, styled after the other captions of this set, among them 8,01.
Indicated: 7,56
